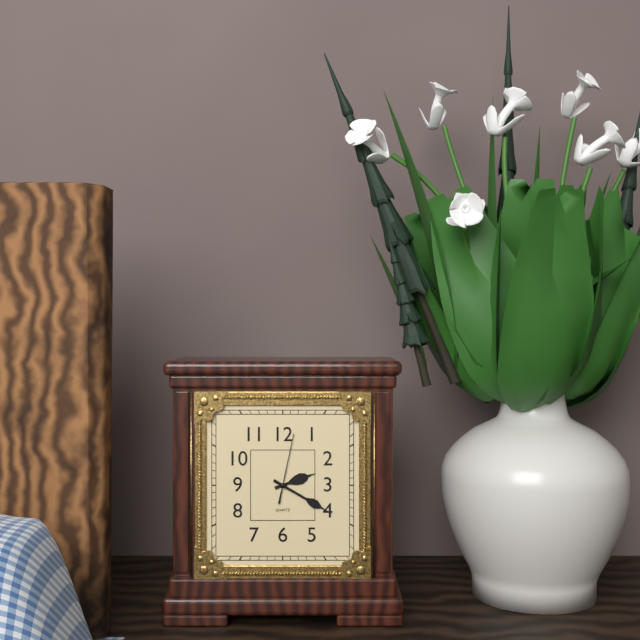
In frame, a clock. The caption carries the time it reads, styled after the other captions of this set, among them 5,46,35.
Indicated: 2,20,02
